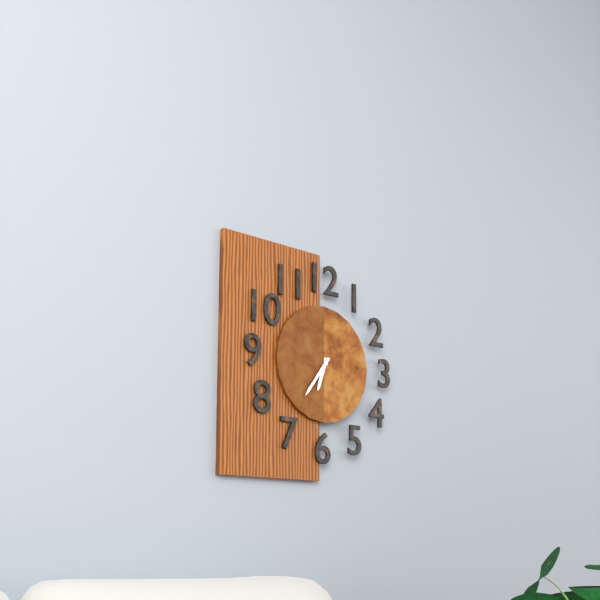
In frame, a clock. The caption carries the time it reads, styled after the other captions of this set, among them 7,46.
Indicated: 6,36
